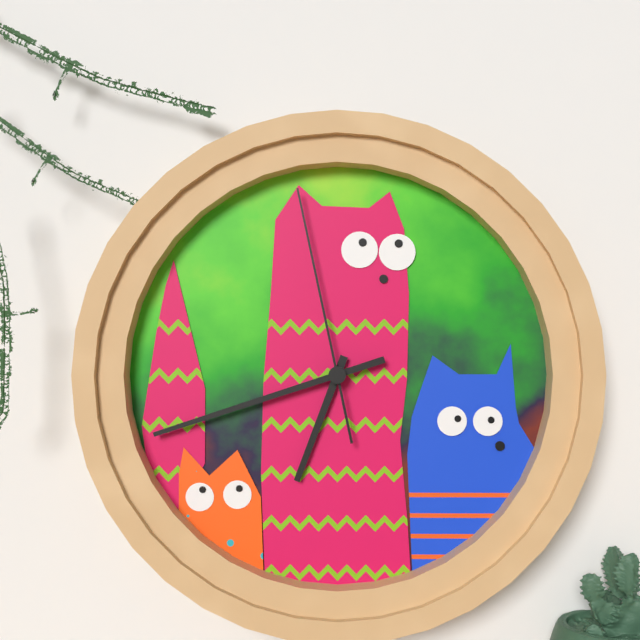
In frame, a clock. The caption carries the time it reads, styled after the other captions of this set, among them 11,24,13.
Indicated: 6,42,58
